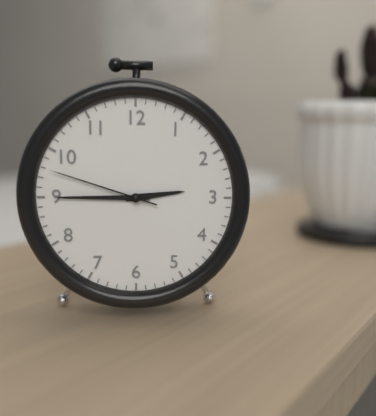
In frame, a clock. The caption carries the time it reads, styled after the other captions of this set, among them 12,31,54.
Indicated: 2,45,48
